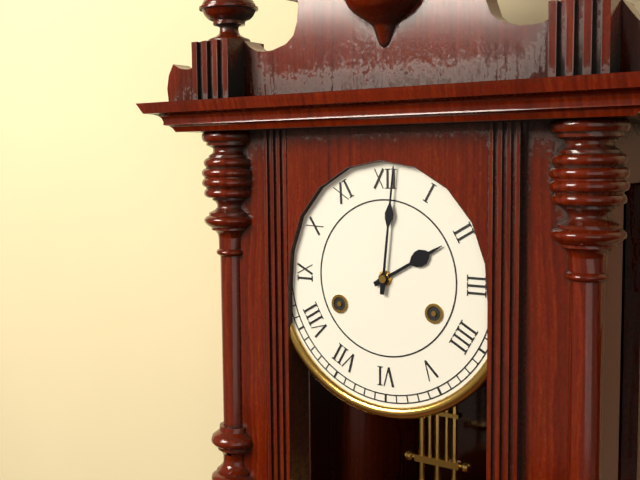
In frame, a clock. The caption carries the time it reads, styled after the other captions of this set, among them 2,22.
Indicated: 2,01
